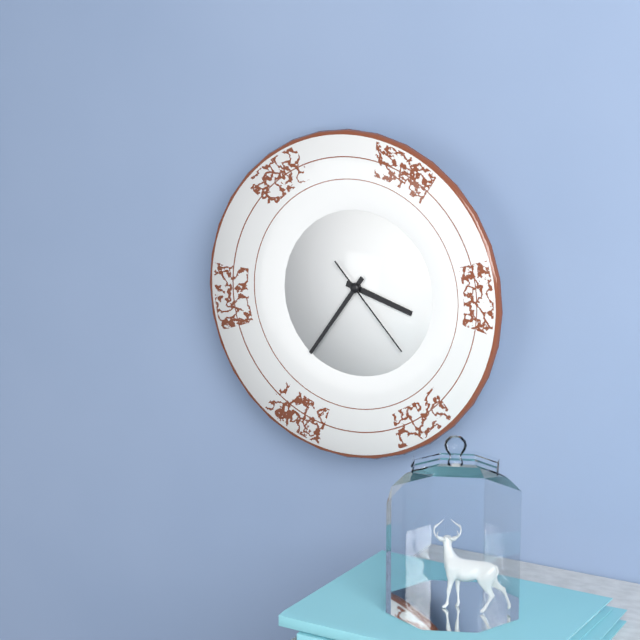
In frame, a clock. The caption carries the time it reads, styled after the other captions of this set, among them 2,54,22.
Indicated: 3,36,23
